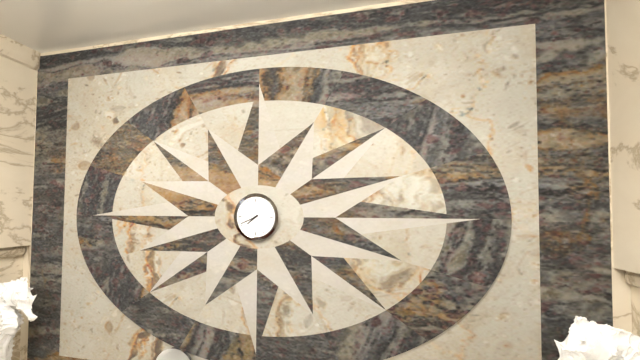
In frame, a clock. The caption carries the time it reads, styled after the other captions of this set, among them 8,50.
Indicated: 7,41
